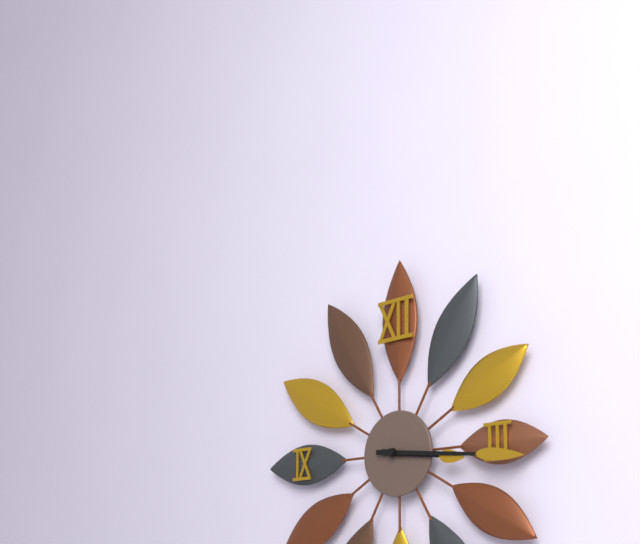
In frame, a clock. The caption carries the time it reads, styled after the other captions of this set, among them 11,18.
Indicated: 3,16
